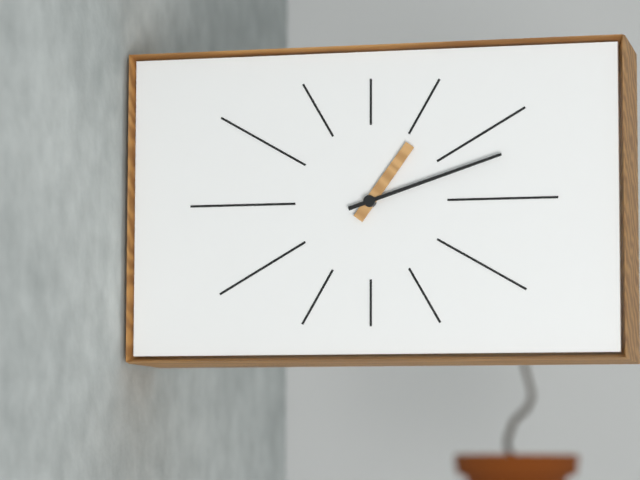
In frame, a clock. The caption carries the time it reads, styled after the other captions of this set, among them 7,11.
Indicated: 1,12
